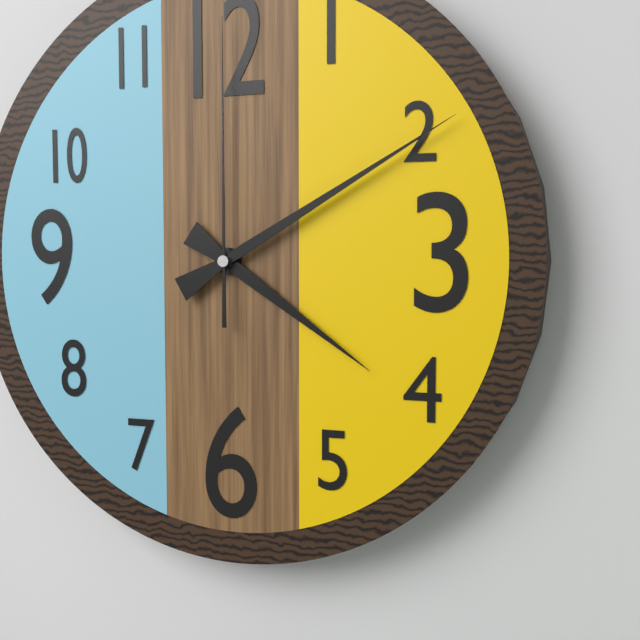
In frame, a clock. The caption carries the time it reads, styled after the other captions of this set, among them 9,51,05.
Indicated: 4,10,00
